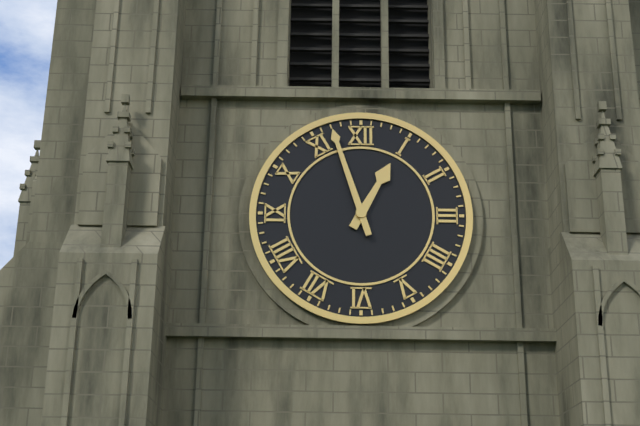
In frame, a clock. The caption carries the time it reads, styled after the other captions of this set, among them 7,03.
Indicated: 12,57
